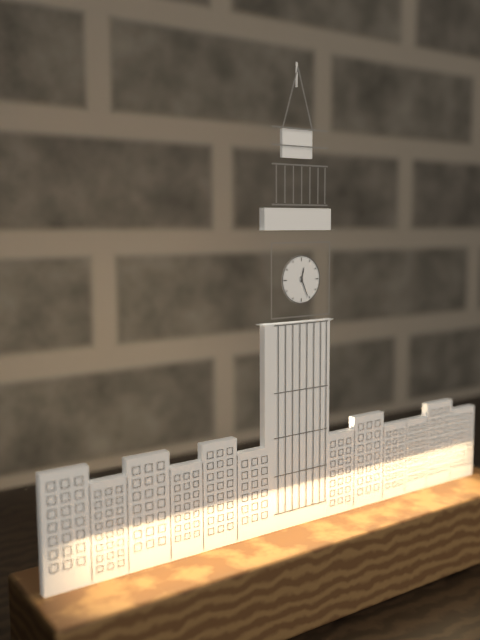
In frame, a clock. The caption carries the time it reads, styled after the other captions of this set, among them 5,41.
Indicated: 12,26
